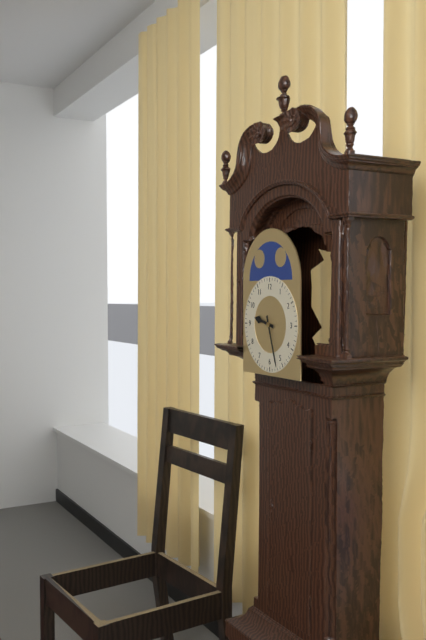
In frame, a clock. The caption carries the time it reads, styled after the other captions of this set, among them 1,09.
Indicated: 9,27
